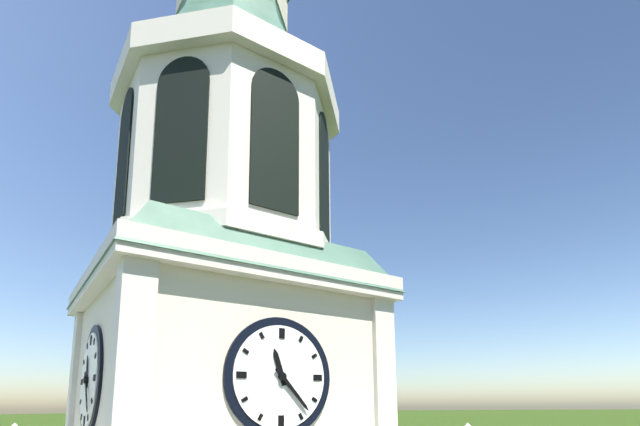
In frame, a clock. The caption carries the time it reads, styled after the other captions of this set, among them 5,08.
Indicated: 11,23
